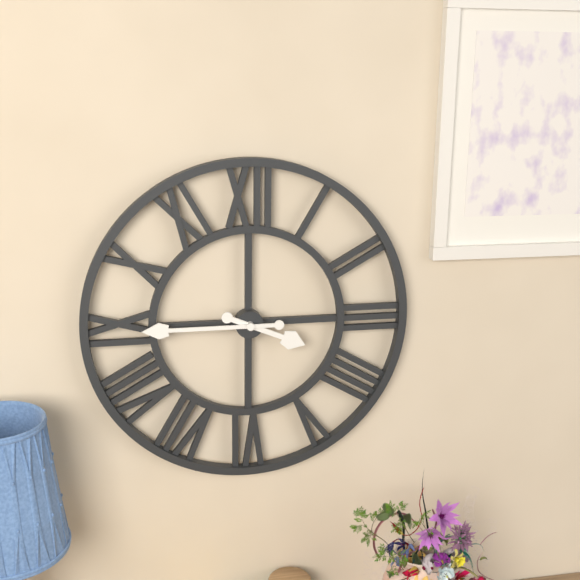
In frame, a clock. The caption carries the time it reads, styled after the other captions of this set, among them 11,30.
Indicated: 3,45
